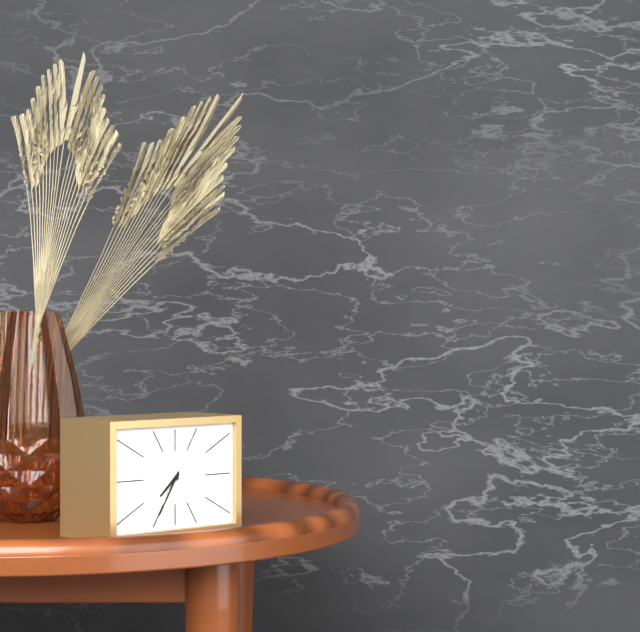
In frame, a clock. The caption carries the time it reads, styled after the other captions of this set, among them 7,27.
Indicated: 7,35
